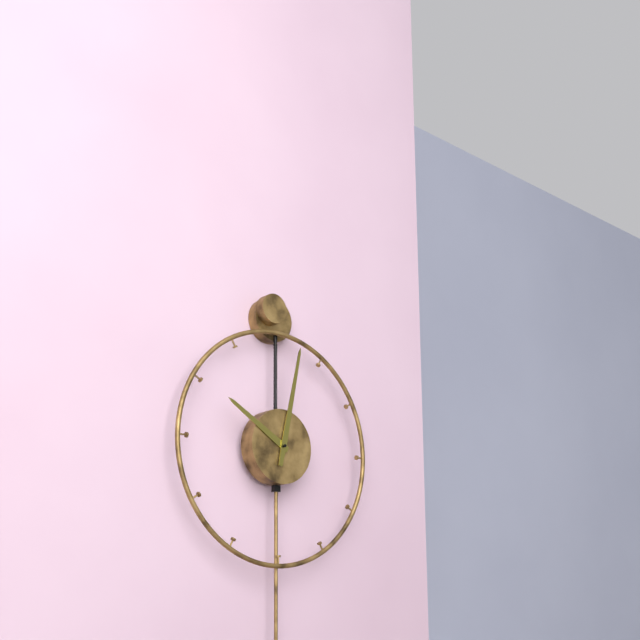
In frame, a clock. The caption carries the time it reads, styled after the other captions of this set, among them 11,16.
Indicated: 10,02
